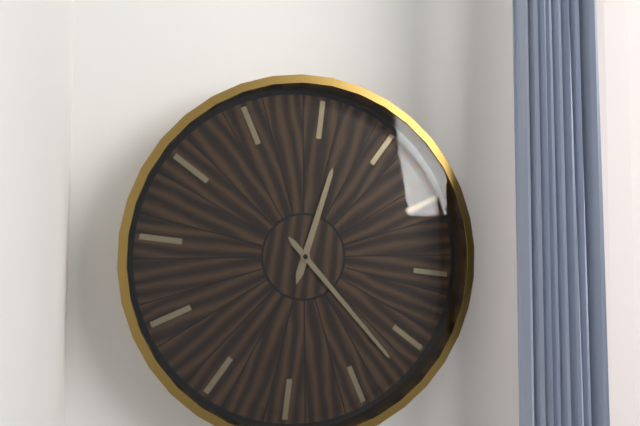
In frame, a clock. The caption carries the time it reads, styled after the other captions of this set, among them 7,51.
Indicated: 12,22
